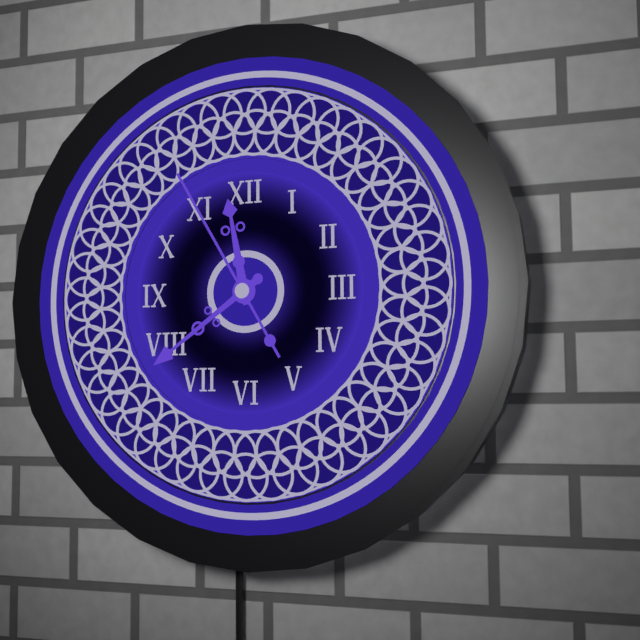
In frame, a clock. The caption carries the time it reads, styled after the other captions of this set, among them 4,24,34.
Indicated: 11,39,55
